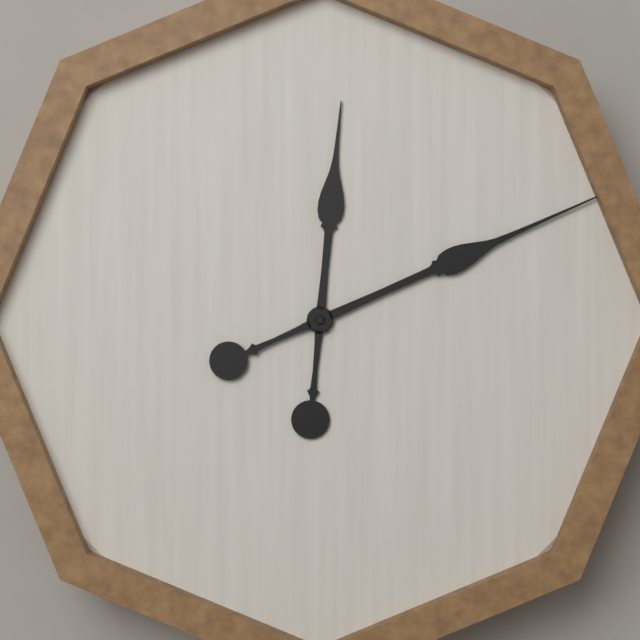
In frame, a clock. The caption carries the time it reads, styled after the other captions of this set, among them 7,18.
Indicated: 12,11
